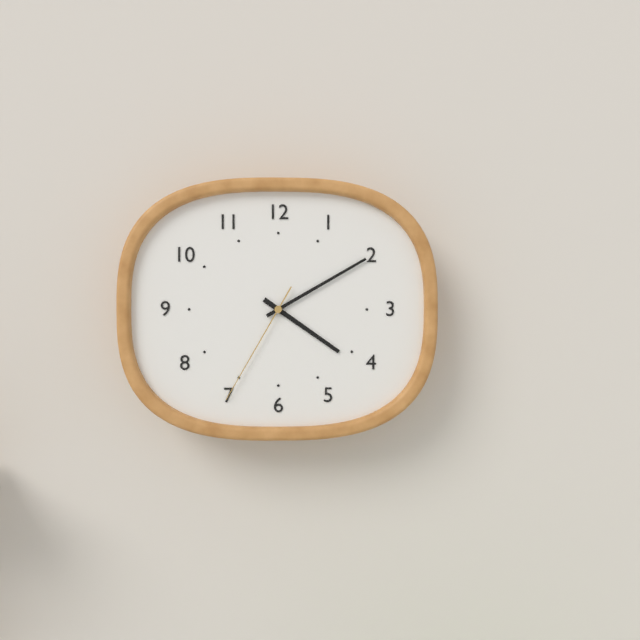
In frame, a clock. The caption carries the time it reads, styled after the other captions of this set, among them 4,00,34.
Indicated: 4,10,35
